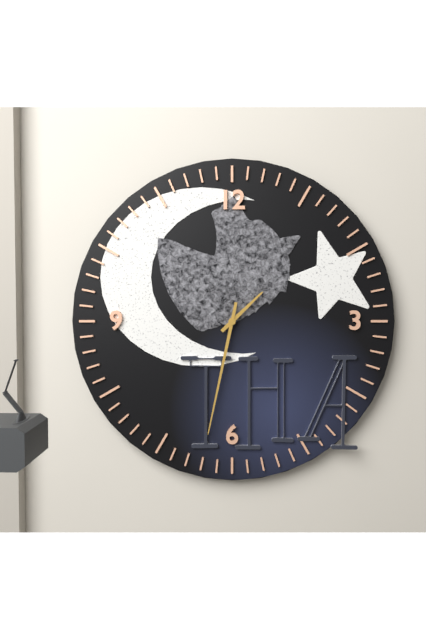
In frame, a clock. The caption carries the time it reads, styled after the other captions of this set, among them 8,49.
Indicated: 1,32
